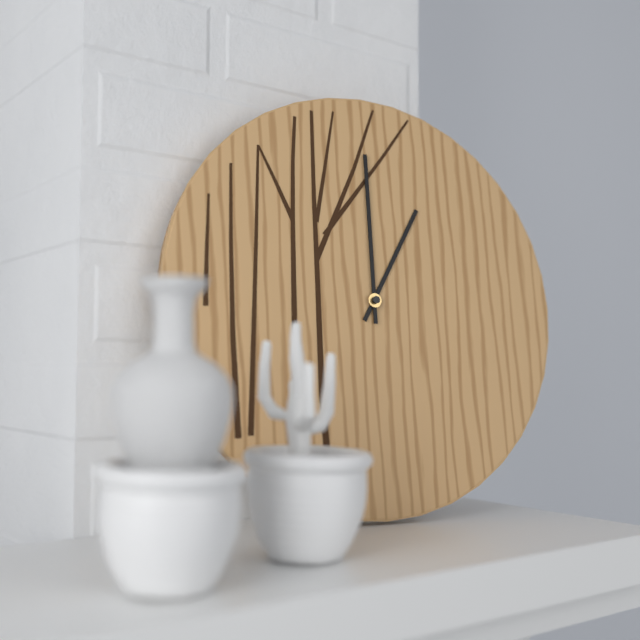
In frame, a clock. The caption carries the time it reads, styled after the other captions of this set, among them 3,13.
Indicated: 1,00
